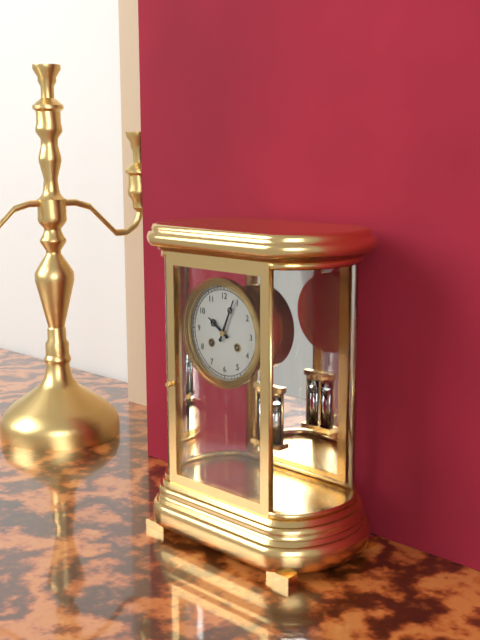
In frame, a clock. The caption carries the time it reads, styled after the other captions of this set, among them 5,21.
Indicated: 10,04
